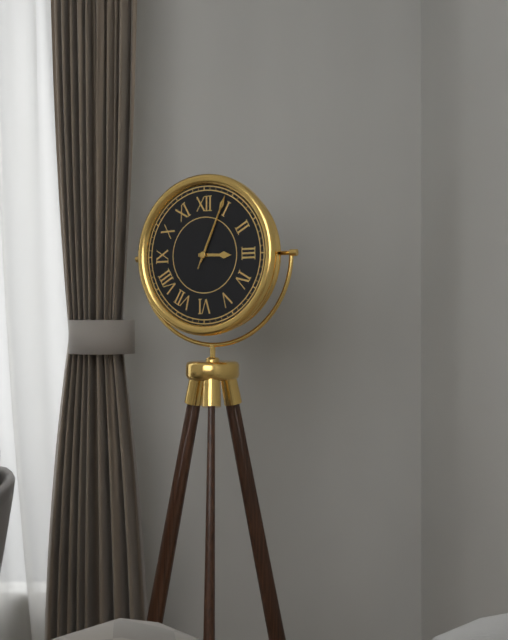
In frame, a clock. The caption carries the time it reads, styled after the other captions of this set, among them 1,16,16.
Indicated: 3,04,04
